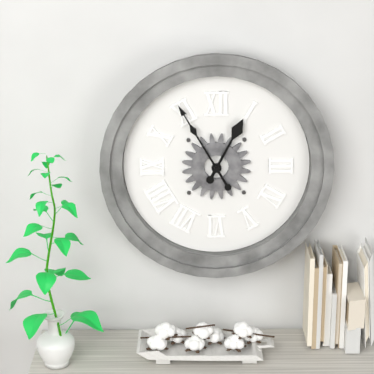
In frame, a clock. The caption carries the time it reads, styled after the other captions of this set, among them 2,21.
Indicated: 12,55
